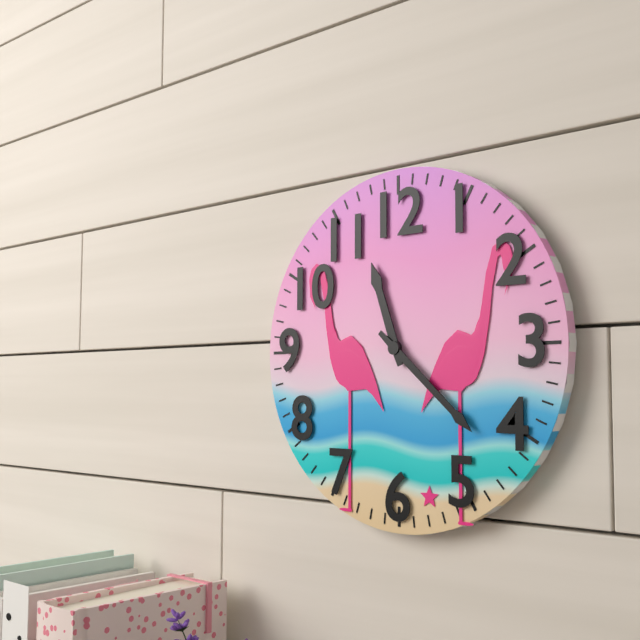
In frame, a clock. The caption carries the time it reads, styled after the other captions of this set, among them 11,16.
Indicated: 11,22
